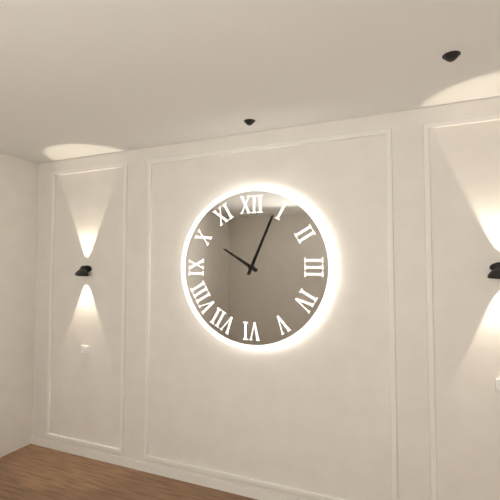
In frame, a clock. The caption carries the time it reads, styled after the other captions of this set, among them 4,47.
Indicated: 10,04
